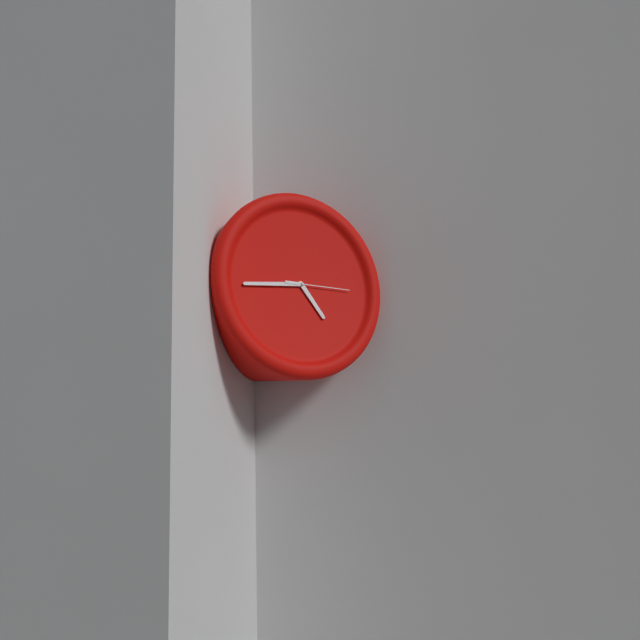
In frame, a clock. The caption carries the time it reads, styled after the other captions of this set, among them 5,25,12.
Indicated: 4,44,15
